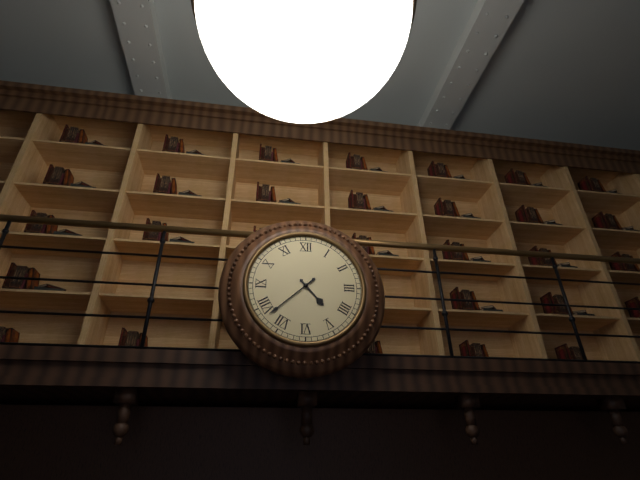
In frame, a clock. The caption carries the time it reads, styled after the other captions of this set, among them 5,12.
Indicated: 4,38
